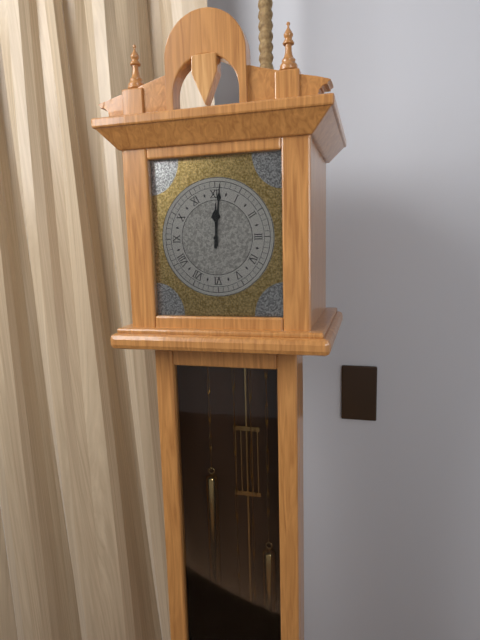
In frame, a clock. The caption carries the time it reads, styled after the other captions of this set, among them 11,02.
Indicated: 12,01
